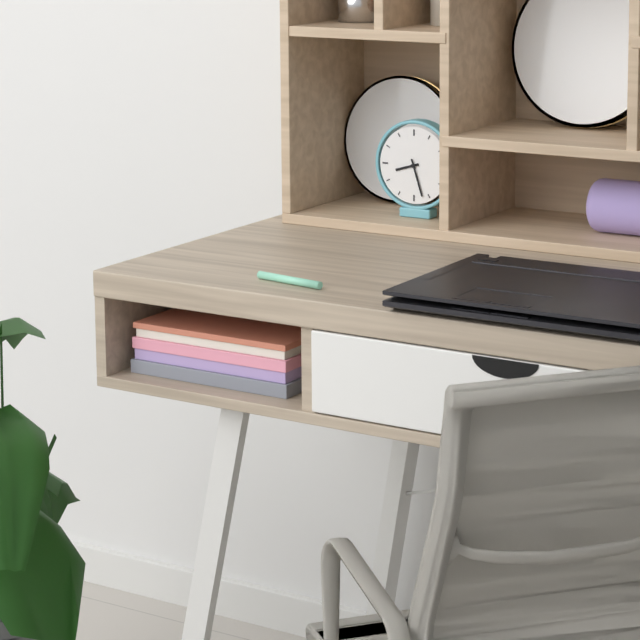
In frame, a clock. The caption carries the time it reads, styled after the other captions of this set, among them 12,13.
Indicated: 8,27
